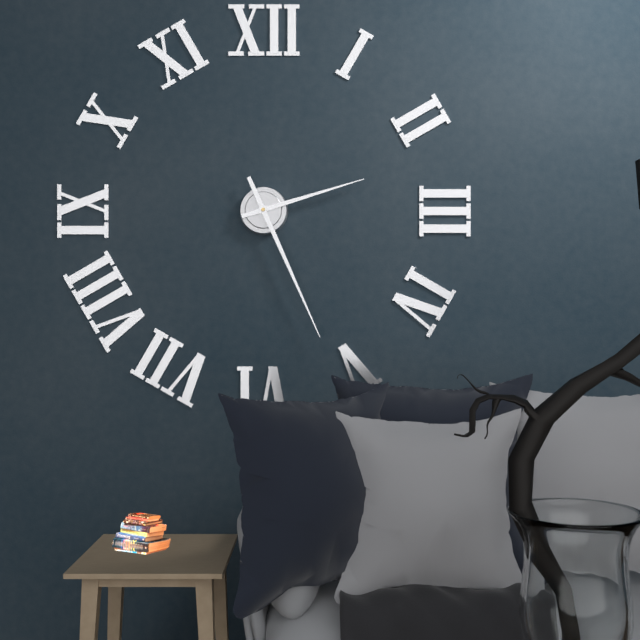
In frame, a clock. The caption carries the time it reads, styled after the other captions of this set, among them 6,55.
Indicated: 2,26
